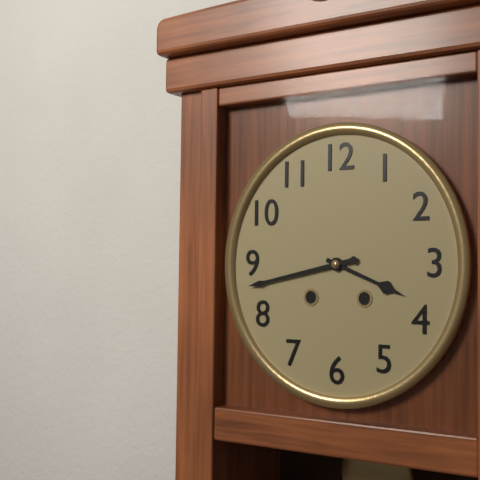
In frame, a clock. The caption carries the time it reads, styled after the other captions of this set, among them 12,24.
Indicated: 3,43
